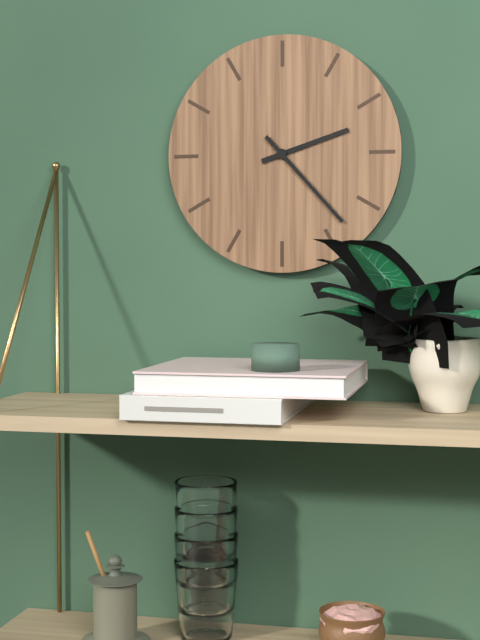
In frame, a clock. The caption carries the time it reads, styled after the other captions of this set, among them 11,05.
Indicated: 2,23
